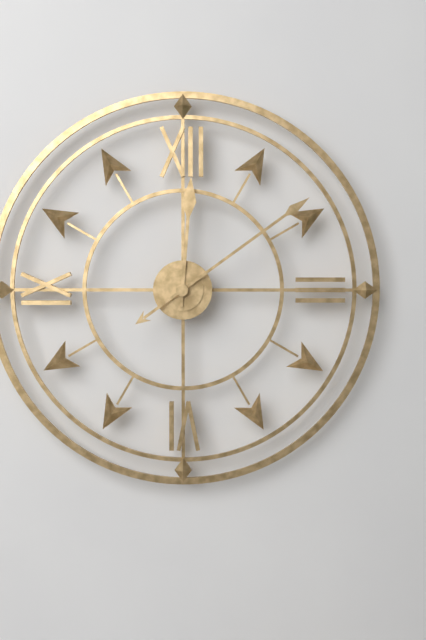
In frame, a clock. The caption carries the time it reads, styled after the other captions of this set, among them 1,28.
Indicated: 12,09
